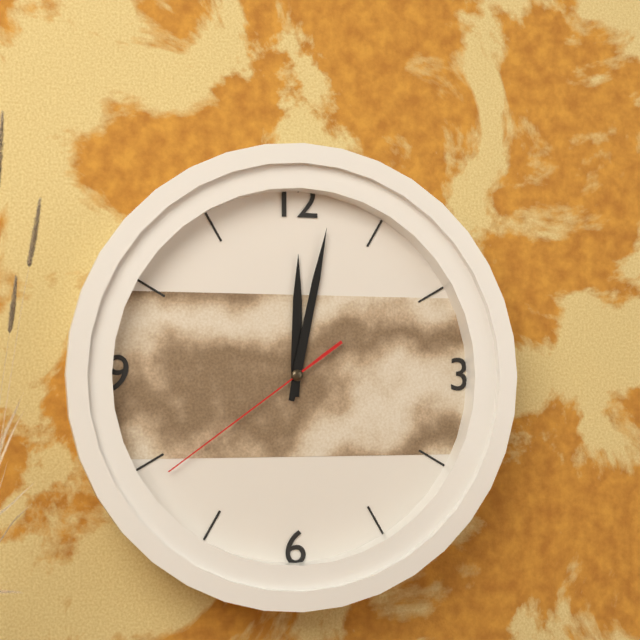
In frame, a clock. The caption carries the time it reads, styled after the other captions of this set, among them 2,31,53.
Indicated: 12,02,39
